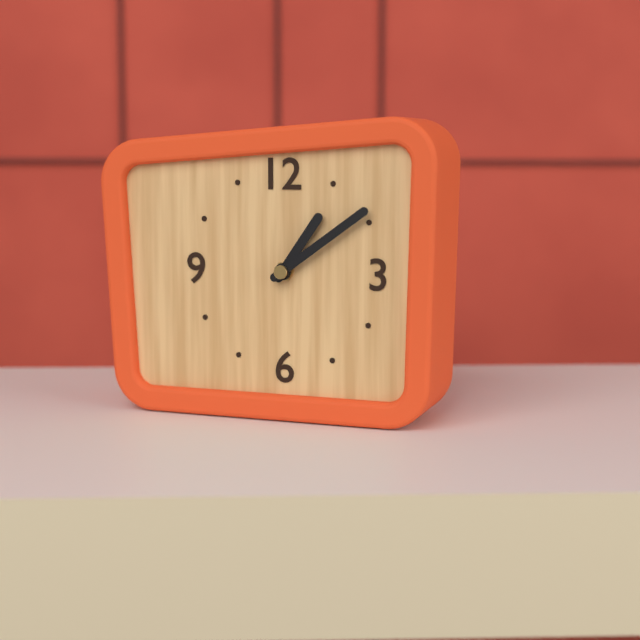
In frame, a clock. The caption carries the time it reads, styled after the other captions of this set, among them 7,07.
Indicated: 1,09
